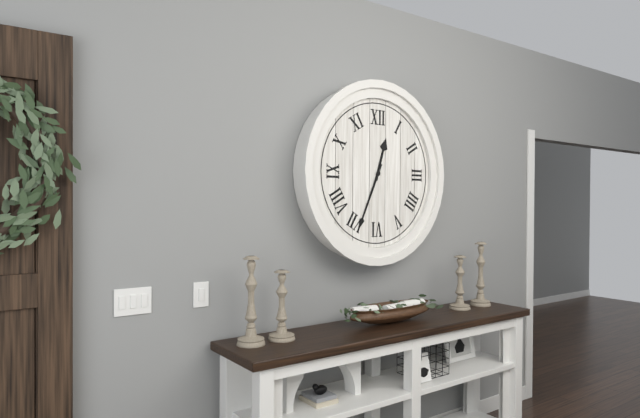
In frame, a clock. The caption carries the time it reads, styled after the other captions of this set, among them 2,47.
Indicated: 12,34
